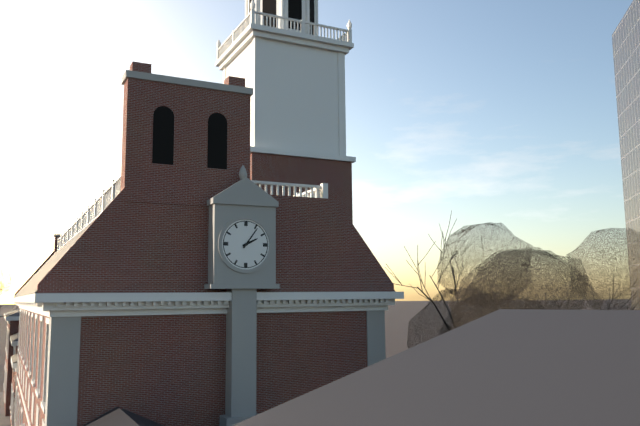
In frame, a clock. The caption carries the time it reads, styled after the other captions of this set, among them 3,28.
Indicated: 2,06
